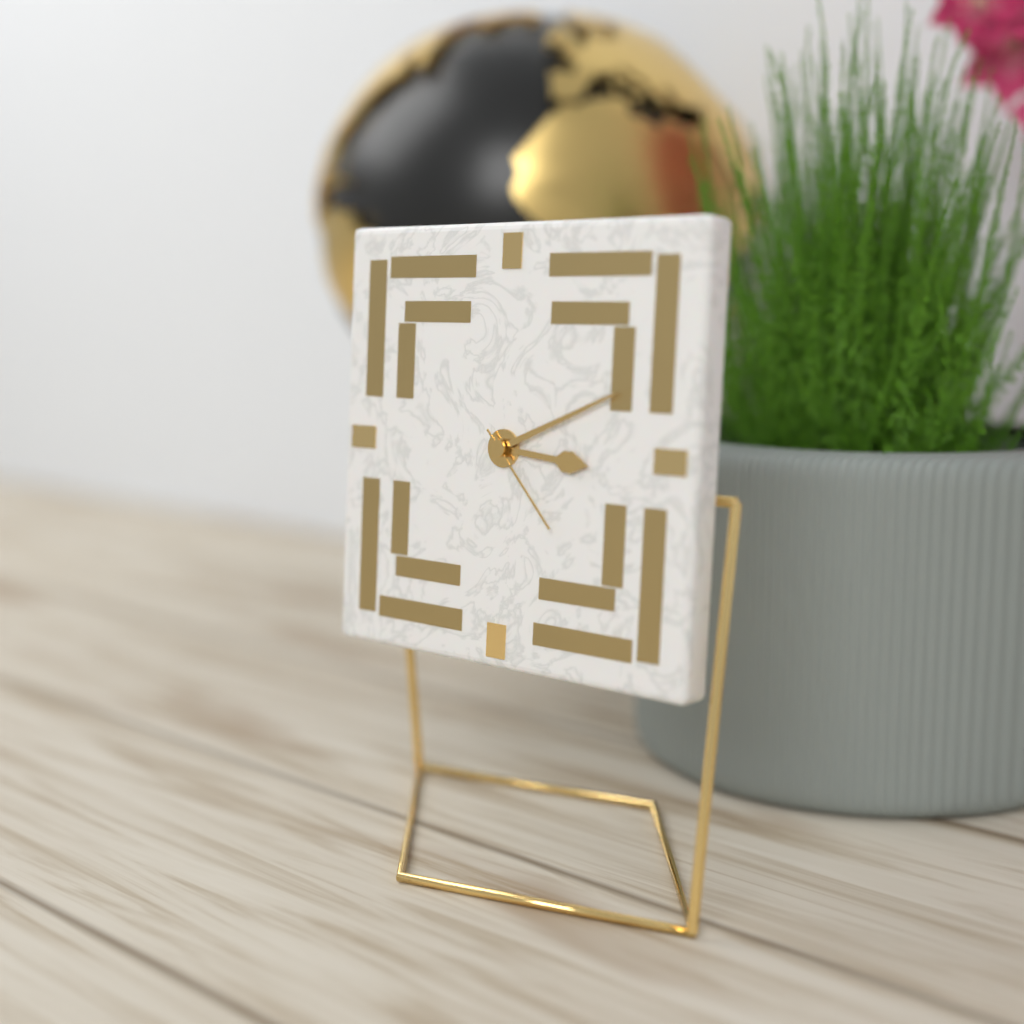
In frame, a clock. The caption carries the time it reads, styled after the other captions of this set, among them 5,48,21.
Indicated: 3,11,23
